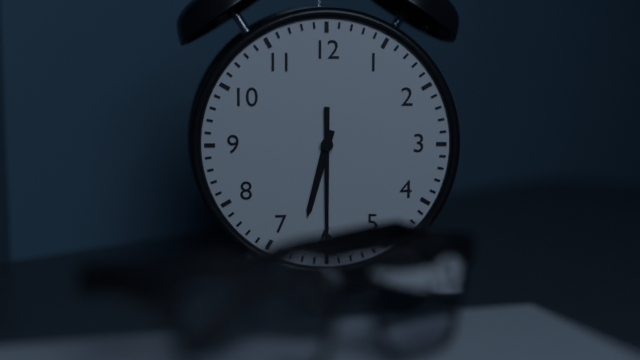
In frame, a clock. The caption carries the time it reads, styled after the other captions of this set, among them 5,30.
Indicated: 6,30
